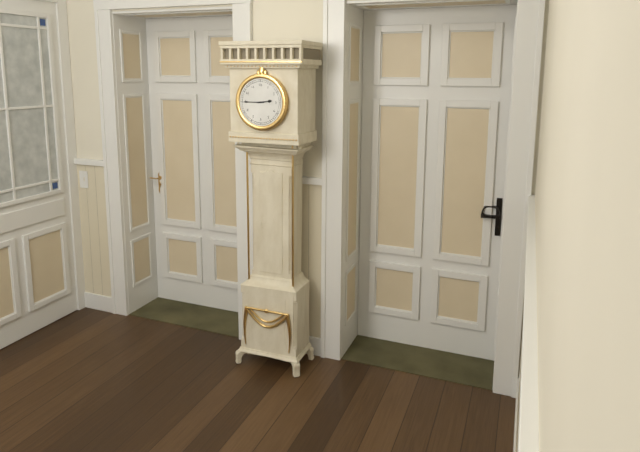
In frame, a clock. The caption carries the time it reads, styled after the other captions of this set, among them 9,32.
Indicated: 2,45
